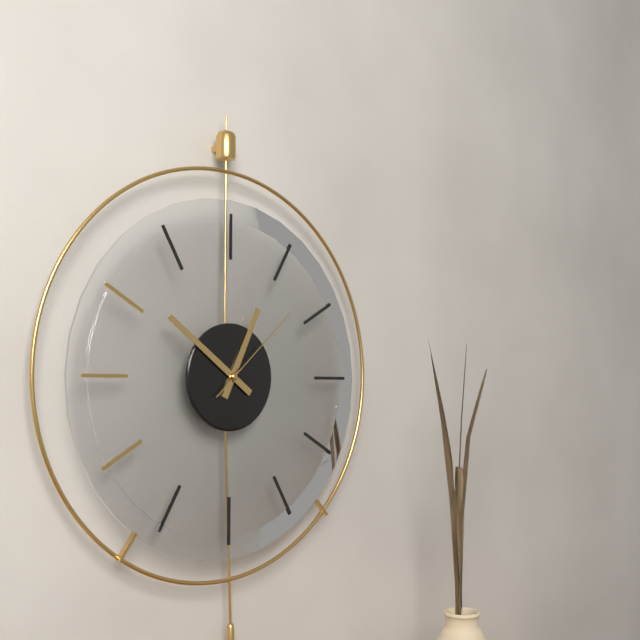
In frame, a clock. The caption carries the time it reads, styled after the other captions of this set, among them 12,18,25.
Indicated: 12,51,08
